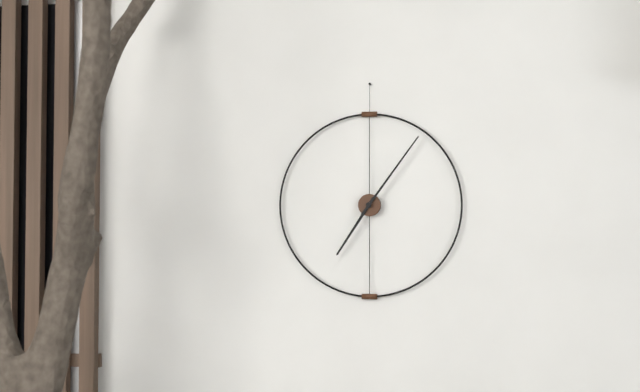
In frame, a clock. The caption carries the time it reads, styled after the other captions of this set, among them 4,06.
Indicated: 7,06
